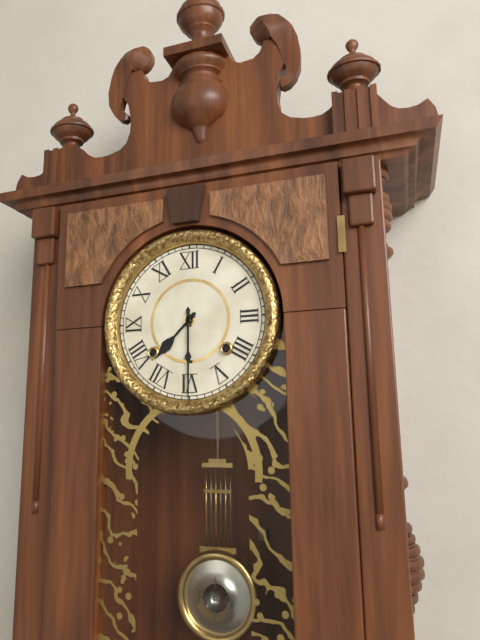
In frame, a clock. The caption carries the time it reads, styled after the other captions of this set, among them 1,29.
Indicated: 7,30
